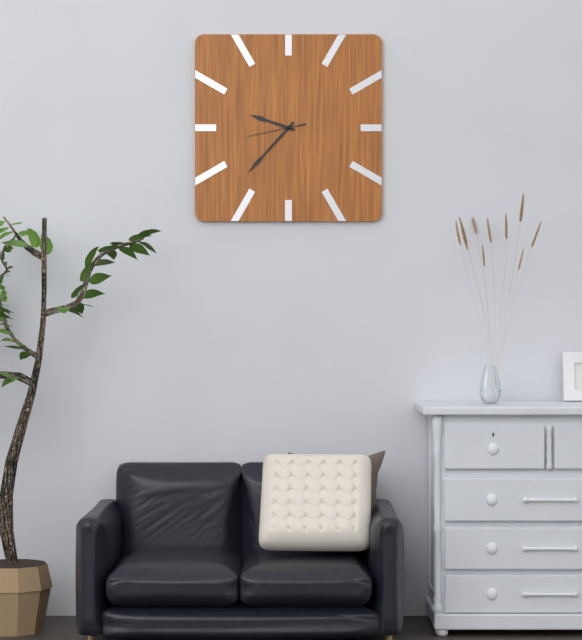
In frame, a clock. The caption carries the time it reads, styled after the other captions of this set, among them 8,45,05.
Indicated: 9,37,43
